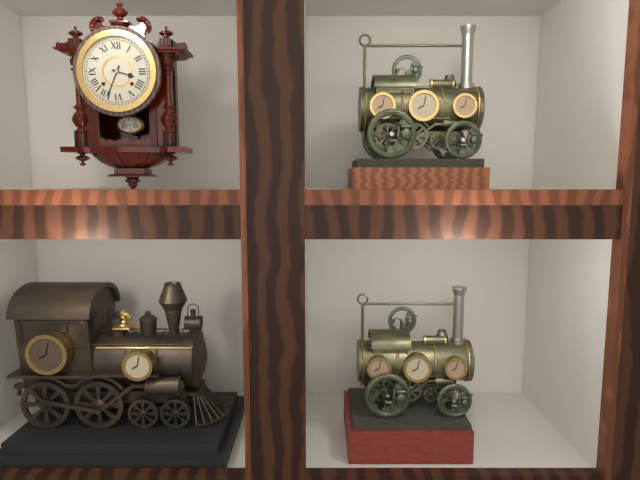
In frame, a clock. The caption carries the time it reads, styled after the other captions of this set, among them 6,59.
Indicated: 3,34
